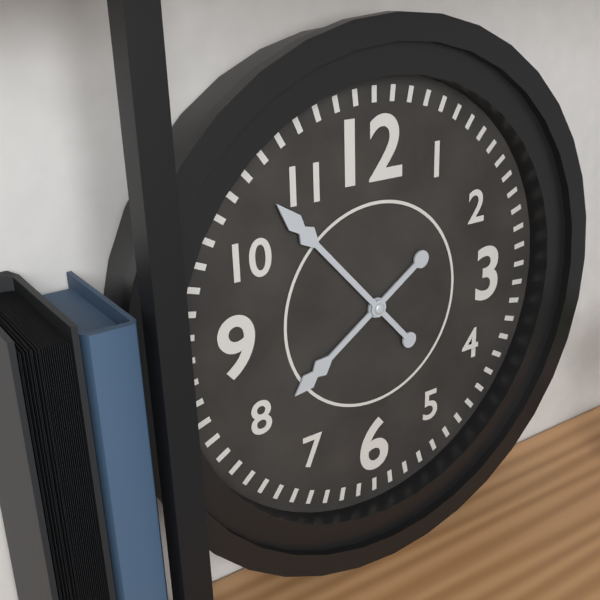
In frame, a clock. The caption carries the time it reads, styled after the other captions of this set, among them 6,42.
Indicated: 7,53
